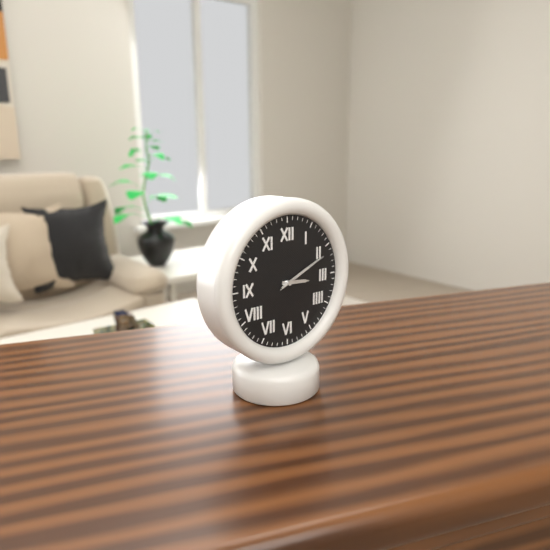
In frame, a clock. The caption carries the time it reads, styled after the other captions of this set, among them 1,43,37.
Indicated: 3,11,11
